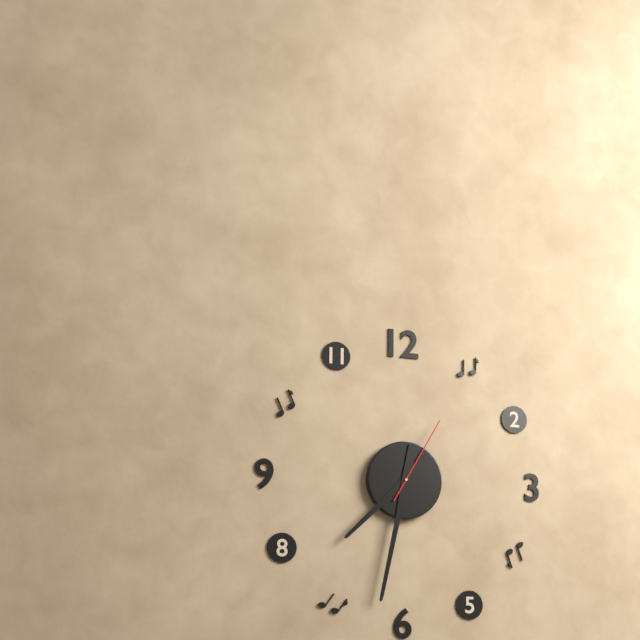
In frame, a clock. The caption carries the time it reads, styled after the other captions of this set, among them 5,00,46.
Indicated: 7,32,05
